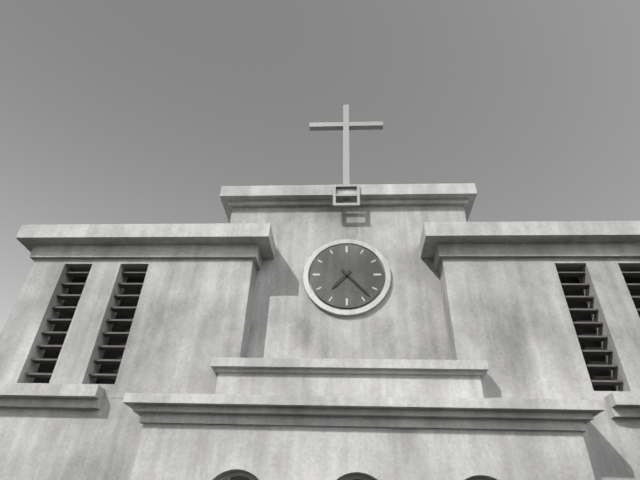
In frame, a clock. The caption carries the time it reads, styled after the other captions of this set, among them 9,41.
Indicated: 7,23
